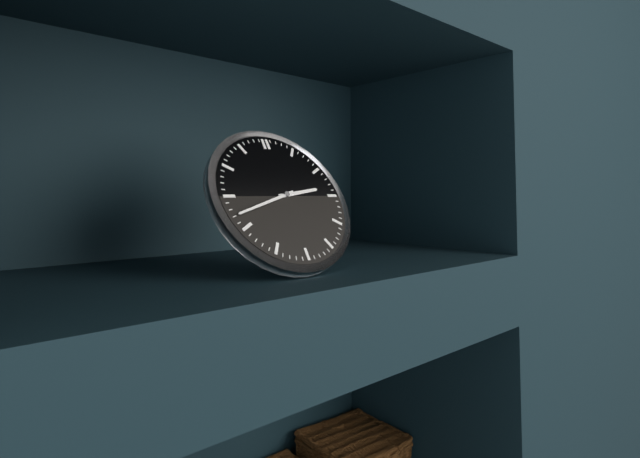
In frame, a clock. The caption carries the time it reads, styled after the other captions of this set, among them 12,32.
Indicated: 2,42
